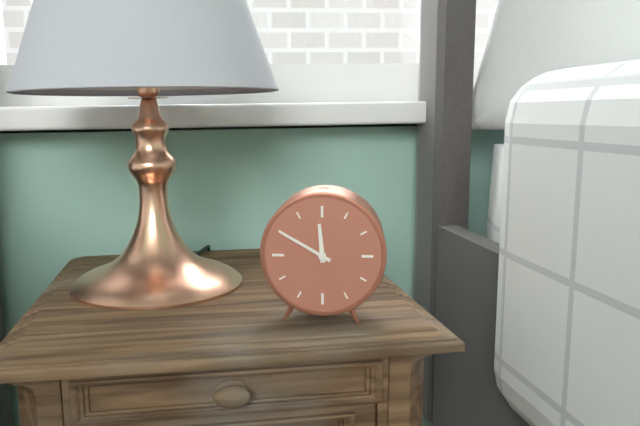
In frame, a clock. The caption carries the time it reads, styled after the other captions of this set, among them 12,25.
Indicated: 11,50
